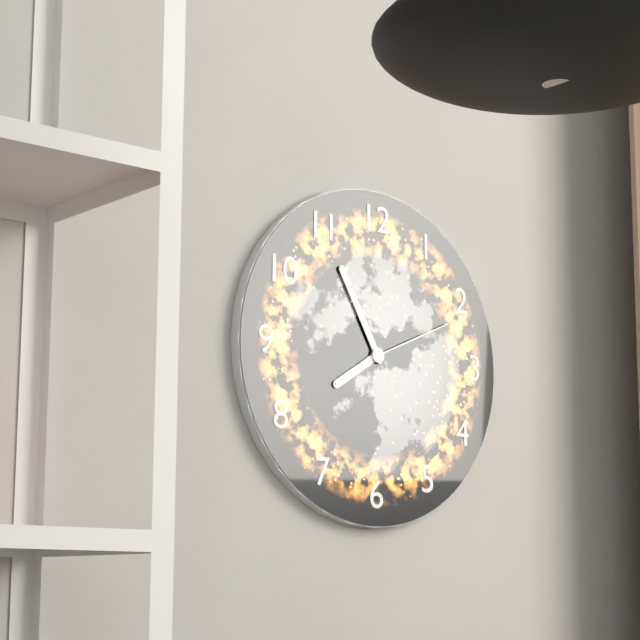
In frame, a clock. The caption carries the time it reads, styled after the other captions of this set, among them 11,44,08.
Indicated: 7,55,11
